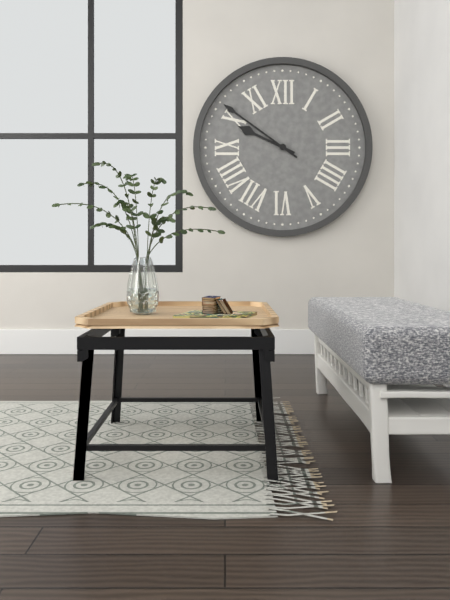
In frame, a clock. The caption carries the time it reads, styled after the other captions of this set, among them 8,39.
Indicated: 9,51
